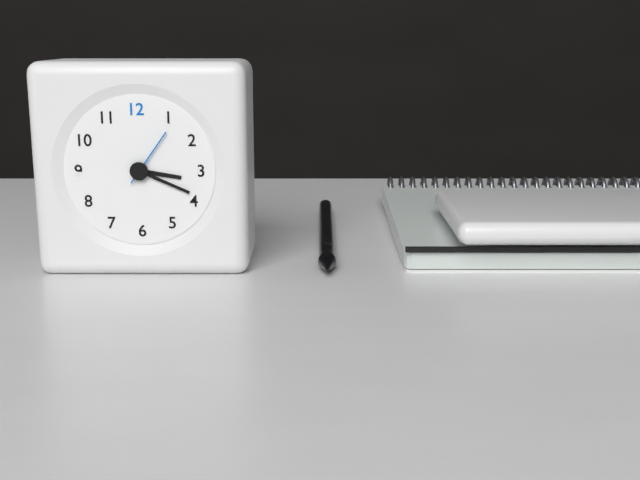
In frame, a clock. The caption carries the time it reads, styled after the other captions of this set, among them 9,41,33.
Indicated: 3,19,06
